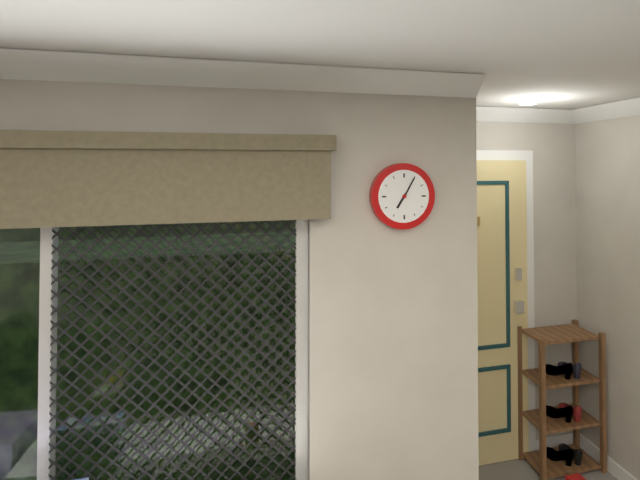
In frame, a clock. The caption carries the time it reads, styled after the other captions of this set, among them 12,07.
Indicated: 7,05
